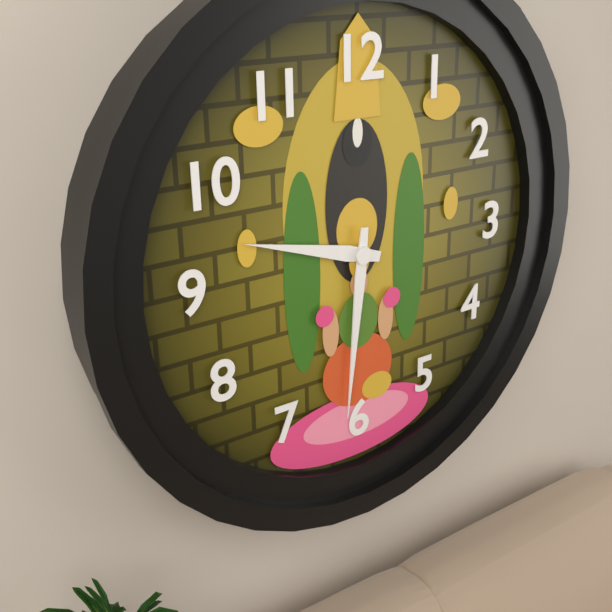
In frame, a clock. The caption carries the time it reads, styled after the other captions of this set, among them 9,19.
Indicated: 9,31
